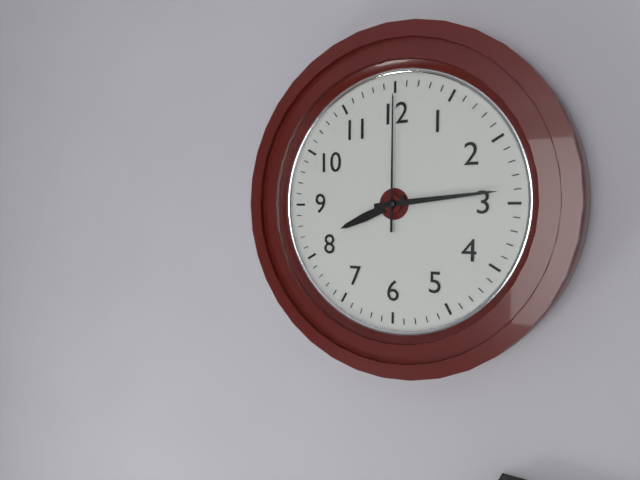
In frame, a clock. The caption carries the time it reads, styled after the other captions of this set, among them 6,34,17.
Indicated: 8,14,00
